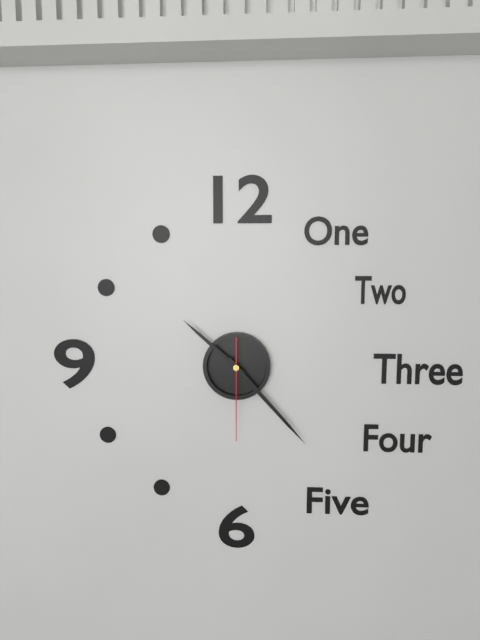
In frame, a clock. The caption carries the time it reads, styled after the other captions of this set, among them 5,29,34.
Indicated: 10,23,30
